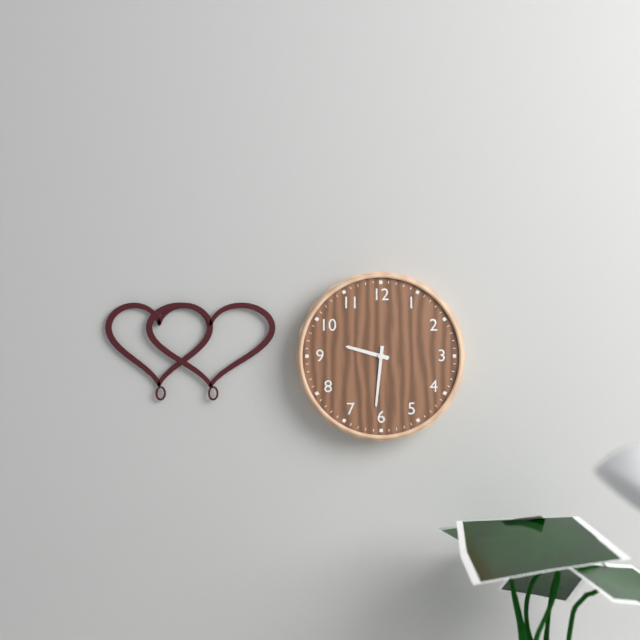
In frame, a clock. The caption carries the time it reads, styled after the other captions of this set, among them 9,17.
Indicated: 9,31
